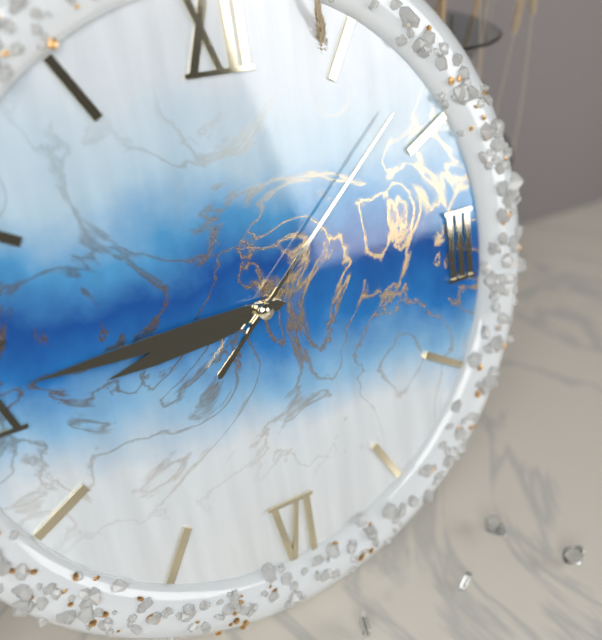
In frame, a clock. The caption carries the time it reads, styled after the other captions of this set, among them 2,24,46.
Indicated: 8,45,08
